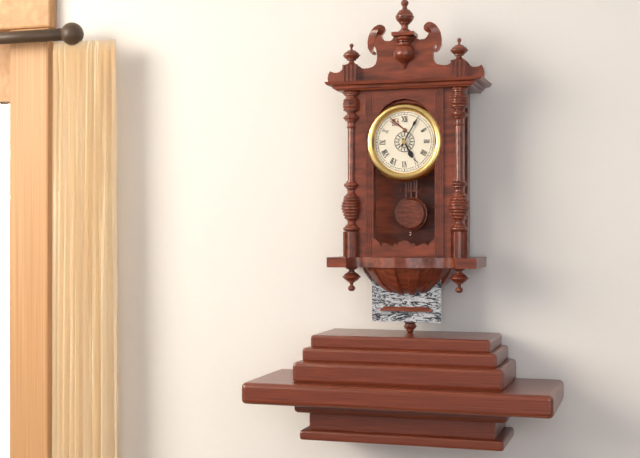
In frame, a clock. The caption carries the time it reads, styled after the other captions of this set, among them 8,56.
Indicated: 5,05
